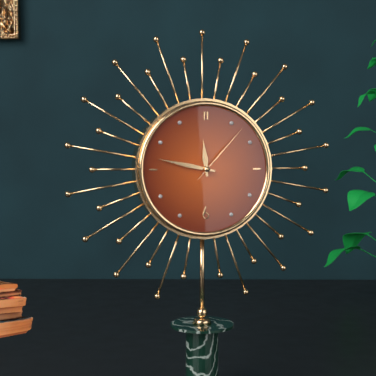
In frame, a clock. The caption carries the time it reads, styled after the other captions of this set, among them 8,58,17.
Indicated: 11,47,07
